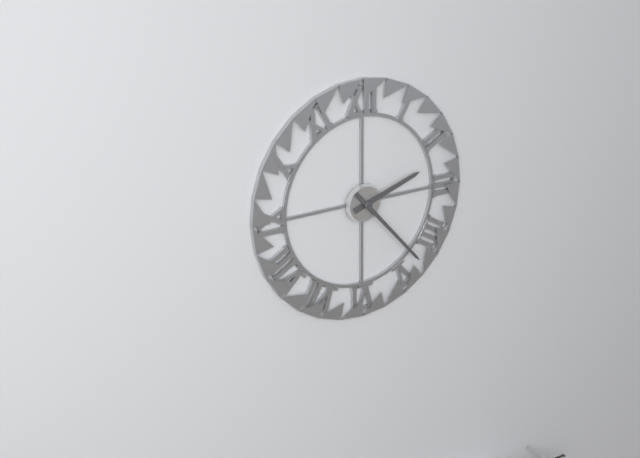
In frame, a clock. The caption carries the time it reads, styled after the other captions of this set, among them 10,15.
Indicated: 2,23
